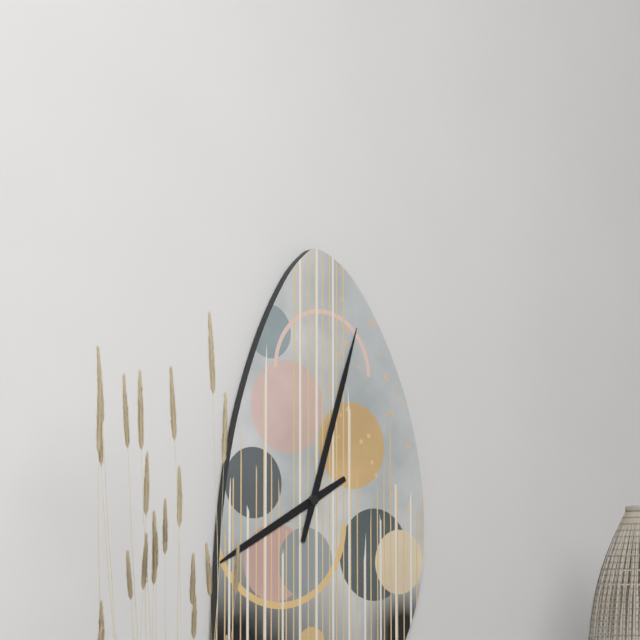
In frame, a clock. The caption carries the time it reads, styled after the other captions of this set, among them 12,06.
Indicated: 8,03
